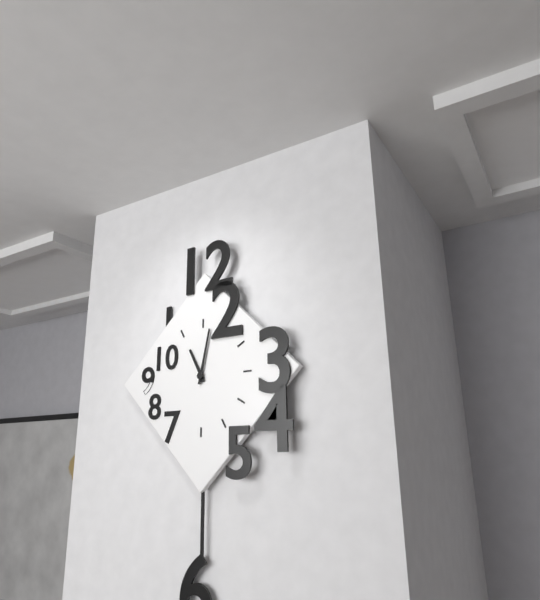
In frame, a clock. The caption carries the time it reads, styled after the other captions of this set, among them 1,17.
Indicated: 11,02
